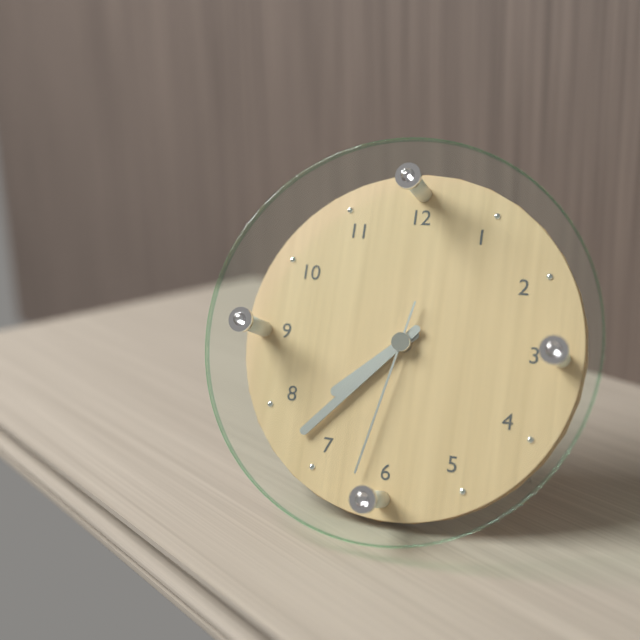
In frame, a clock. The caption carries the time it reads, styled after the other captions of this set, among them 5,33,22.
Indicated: 7,37,32
